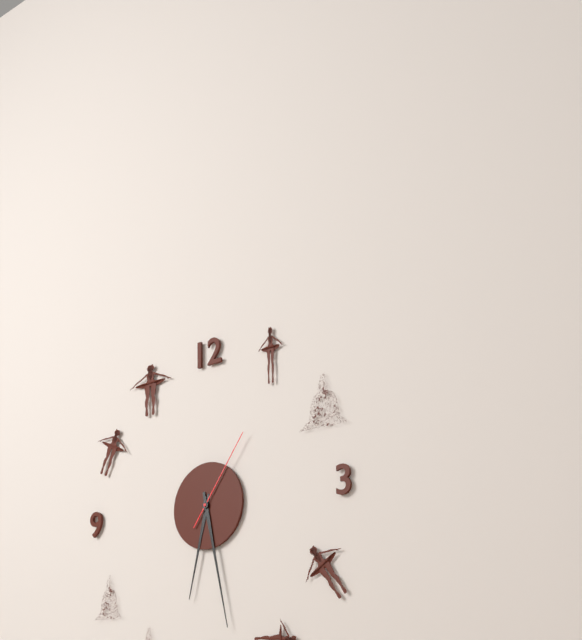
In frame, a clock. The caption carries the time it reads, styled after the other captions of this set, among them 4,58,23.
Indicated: 6,28,06
